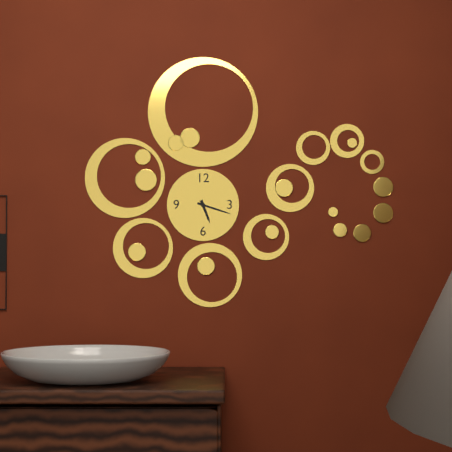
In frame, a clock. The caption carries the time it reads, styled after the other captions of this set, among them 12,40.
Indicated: 5,18
